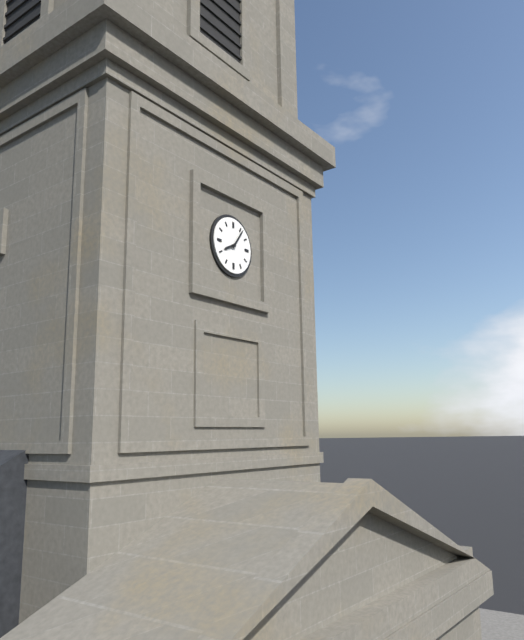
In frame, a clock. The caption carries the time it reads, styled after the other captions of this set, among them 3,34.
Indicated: 8,06
